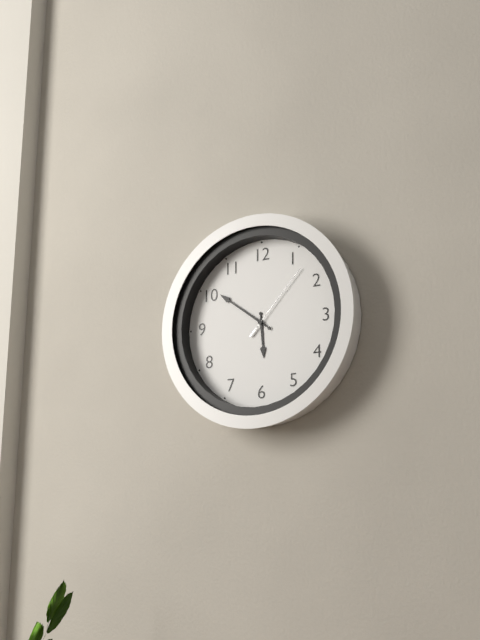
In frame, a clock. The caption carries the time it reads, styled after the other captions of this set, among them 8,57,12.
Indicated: 5,51,07
